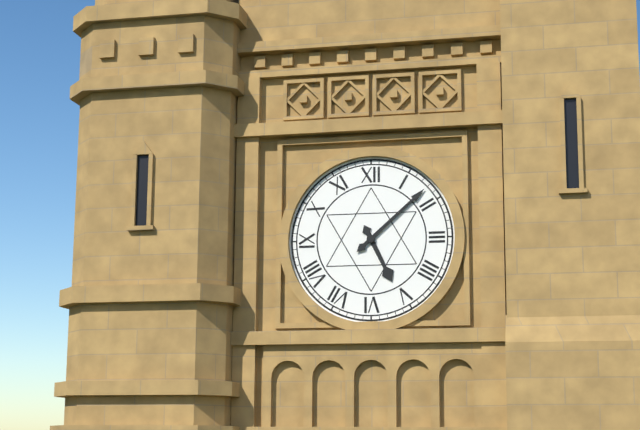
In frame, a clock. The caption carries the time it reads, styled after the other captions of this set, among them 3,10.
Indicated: 5,08
